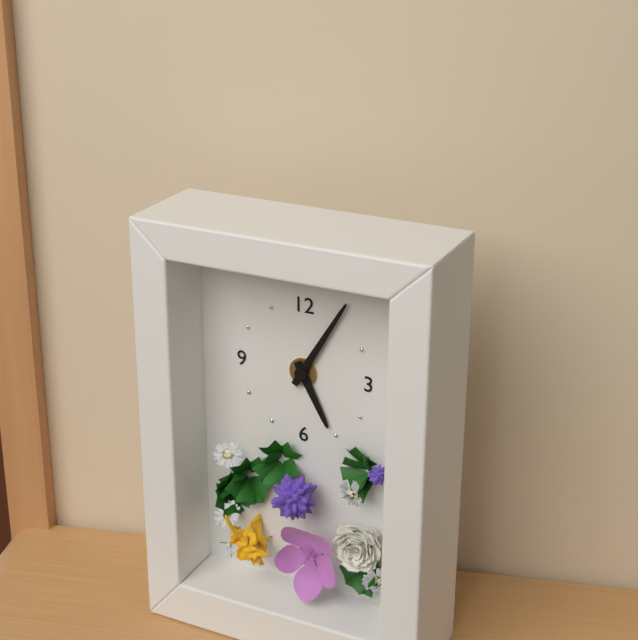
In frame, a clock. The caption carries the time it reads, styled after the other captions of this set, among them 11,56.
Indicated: 5,05
